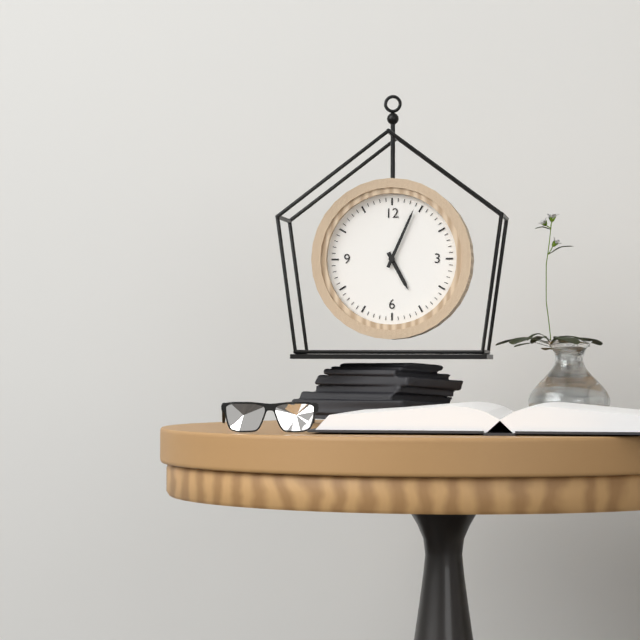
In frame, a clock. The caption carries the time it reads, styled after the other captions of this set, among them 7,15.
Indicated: 5,04
